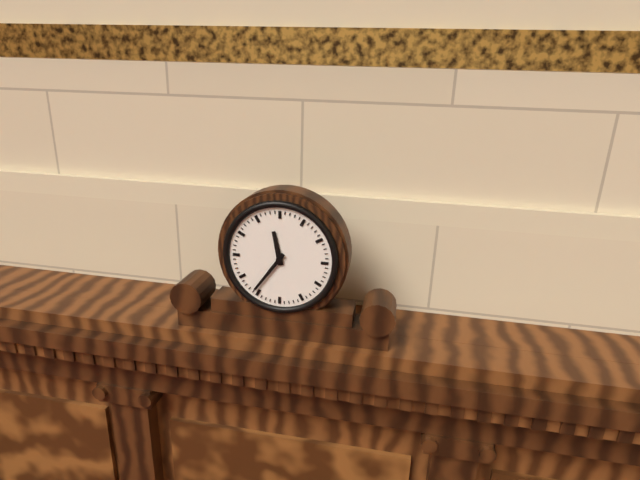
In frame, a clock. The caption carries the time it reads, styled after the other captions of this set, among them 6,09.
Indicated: 11,36
